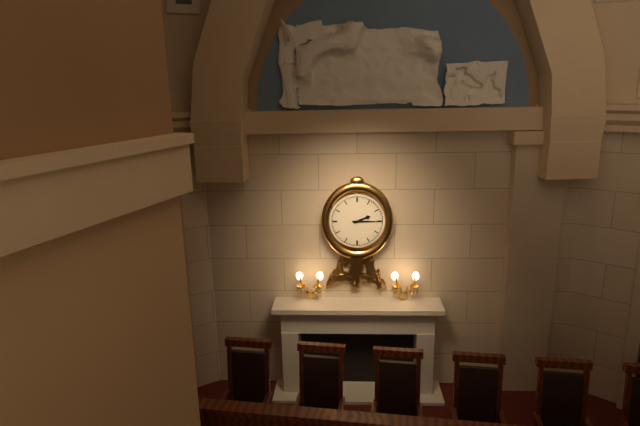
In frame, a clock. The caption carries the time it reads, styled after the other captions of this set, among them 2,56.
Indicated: 2,15
